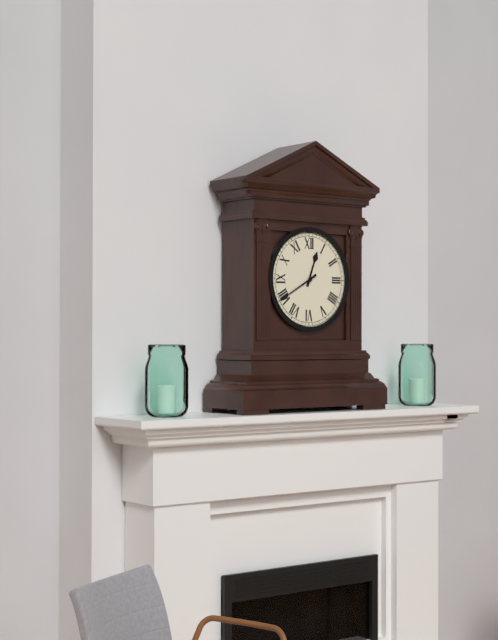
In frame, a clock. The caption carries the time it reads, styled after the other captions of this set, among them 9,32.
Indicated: 12,40
